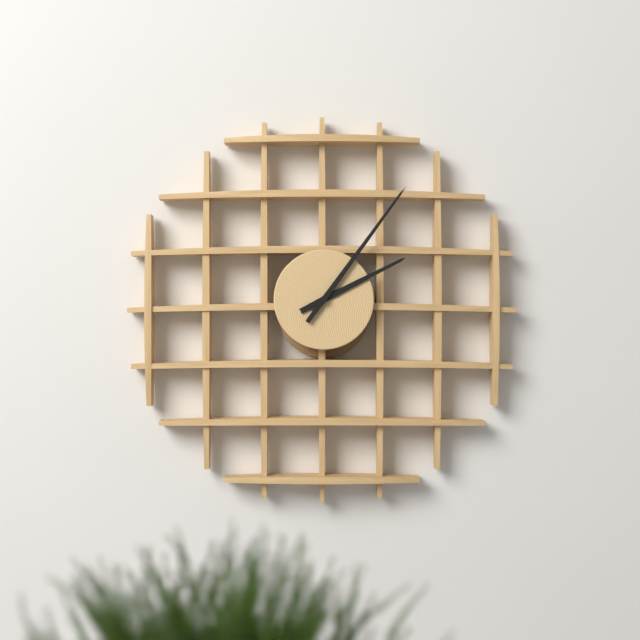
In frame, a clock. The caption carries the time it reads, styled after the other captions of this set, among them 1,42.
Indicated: 2,06
